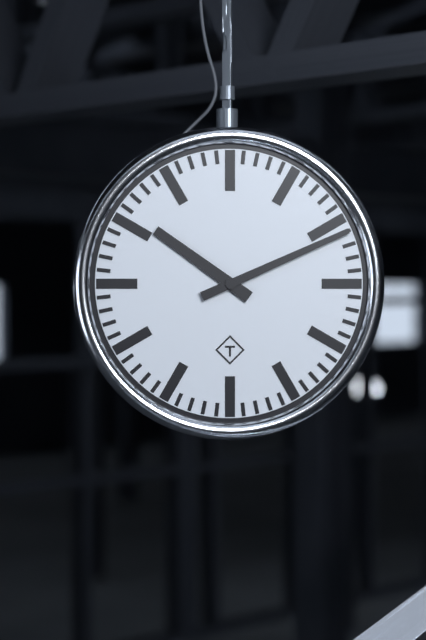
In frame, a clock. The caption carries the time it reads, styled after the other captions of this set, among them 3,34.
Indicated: 10,11
